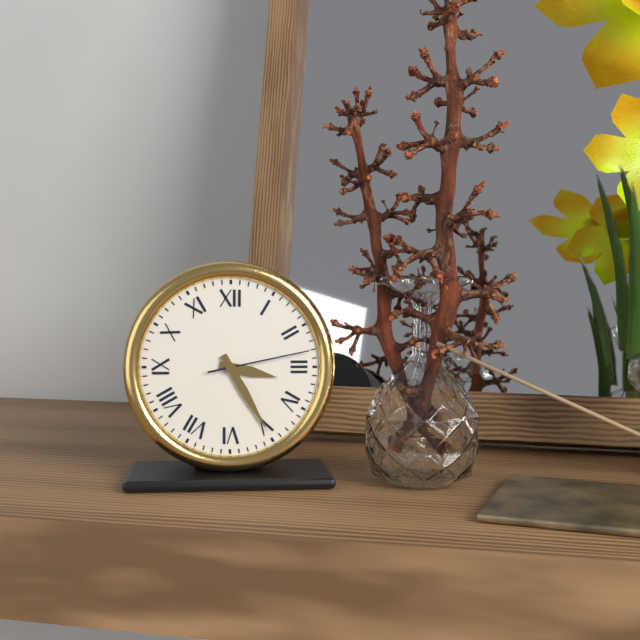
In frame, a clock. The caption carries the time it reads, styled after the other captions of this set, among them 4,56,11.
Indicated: 3,25,13
